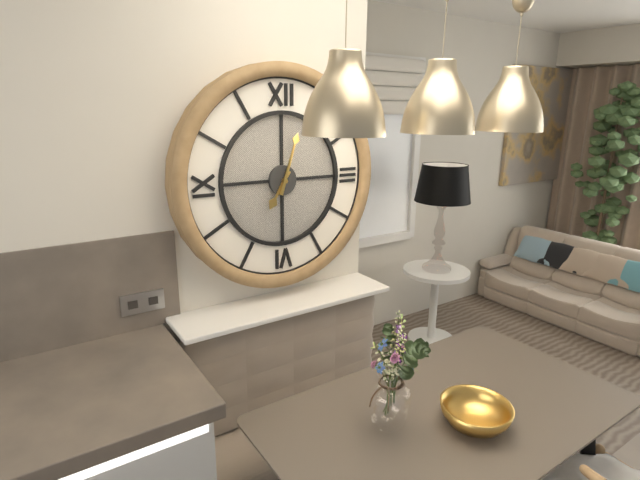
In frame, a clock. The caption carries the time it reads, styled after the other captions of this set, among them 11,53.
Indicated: 7,03
